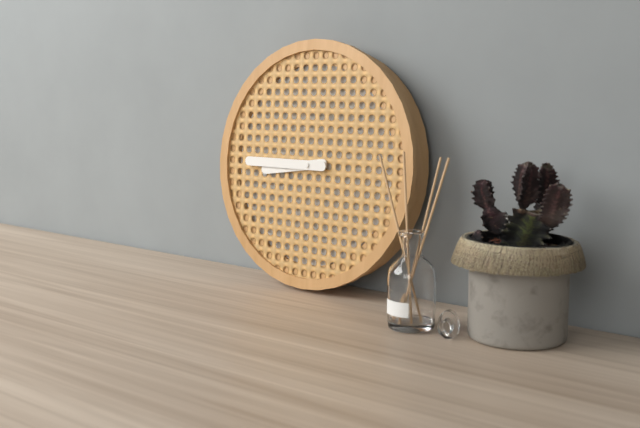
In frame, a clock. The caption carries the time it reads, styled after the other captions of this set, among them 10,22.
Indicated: 8,45
